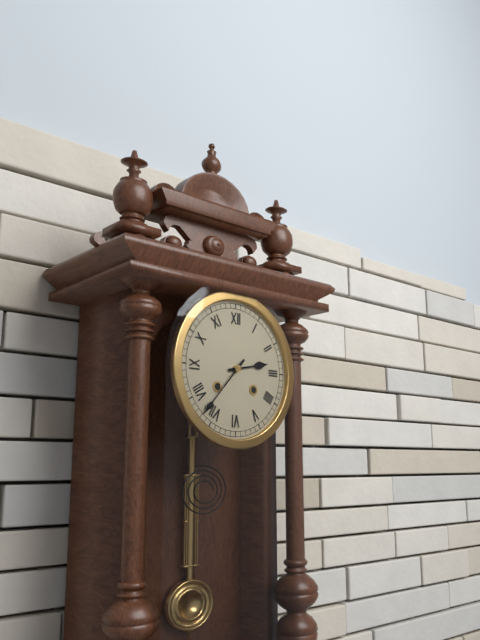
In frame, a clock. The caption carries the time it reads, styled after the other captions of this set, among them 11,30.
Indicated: 2,37
